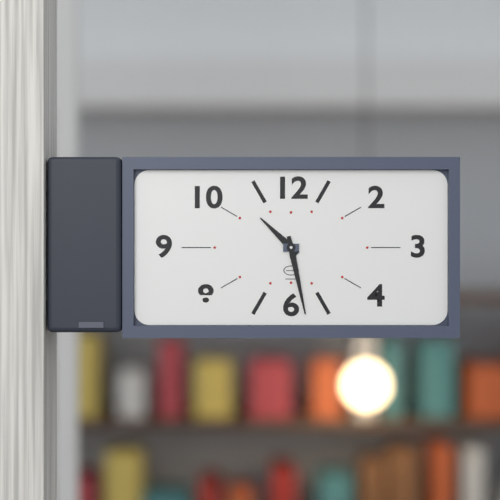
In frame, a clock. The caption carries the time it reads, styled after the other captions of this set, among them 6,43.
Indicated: 10,28
